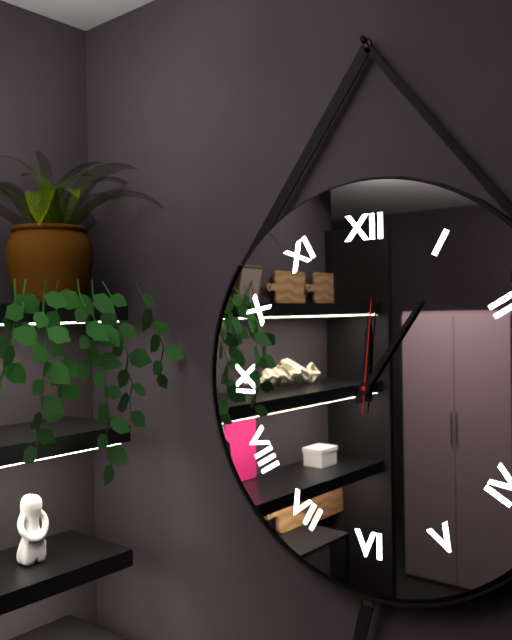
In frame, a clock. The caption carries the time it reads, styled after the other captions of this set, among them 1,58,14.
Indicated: 12,06,01
